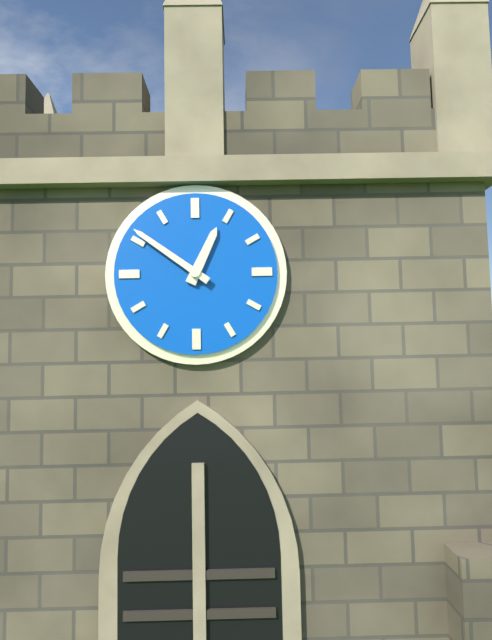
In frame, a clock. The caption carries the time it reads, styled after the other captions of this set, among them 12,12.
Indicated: 12,51
